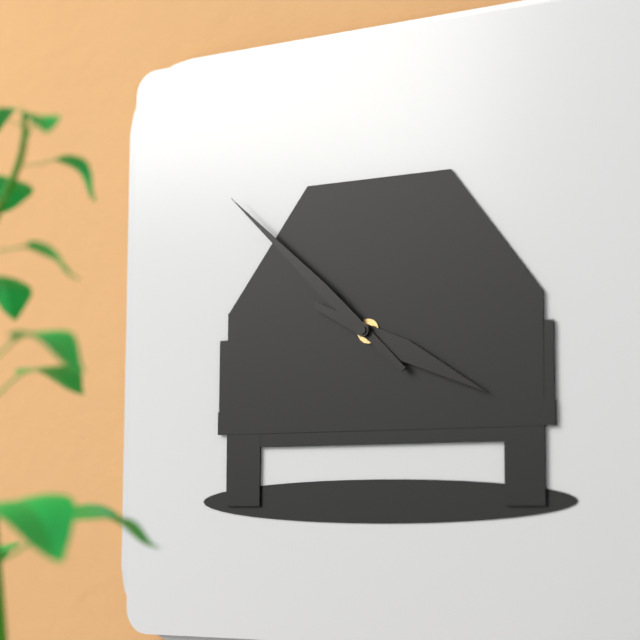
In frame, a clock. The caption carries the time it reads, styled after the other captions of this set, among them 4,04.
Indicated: 3,52
